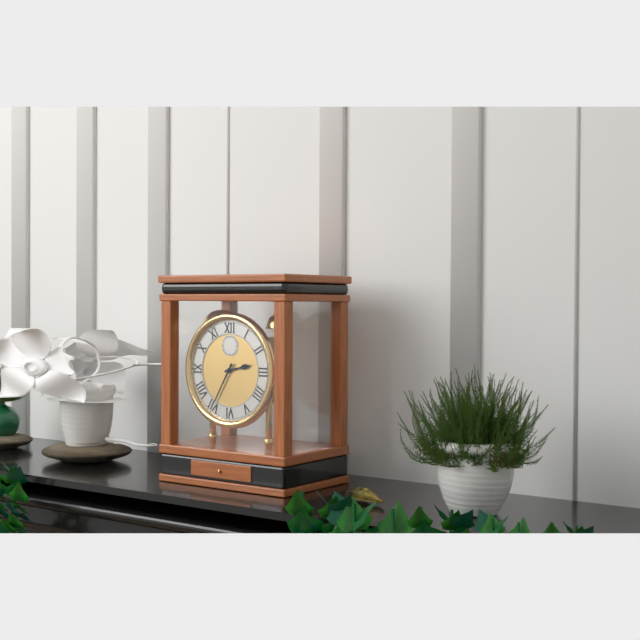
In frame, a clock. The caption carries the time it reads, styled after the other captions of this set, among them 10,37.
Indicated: 2,35
